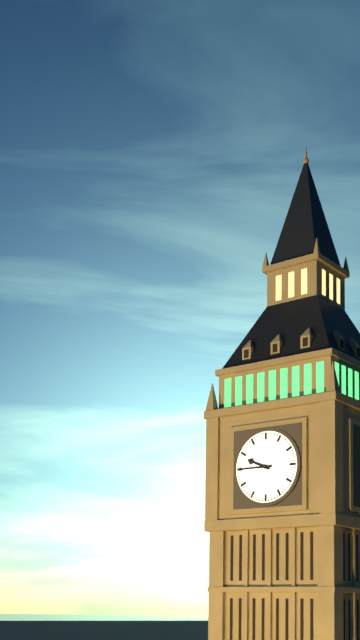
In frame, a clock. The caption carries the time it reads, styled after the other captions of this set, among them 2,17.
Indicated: 9,45
